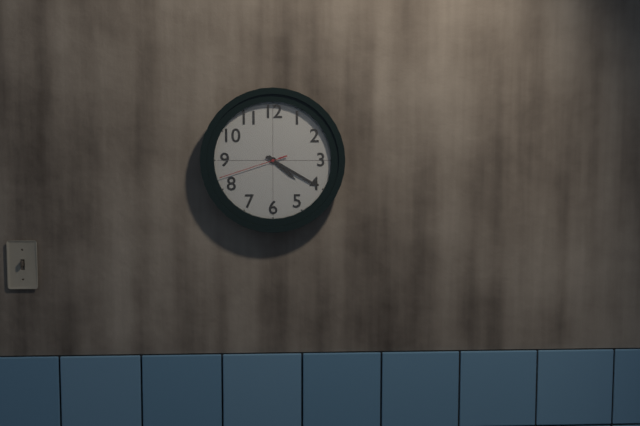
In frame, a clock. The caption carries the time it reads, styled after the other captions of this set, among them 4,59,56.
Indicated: 4,20,42
